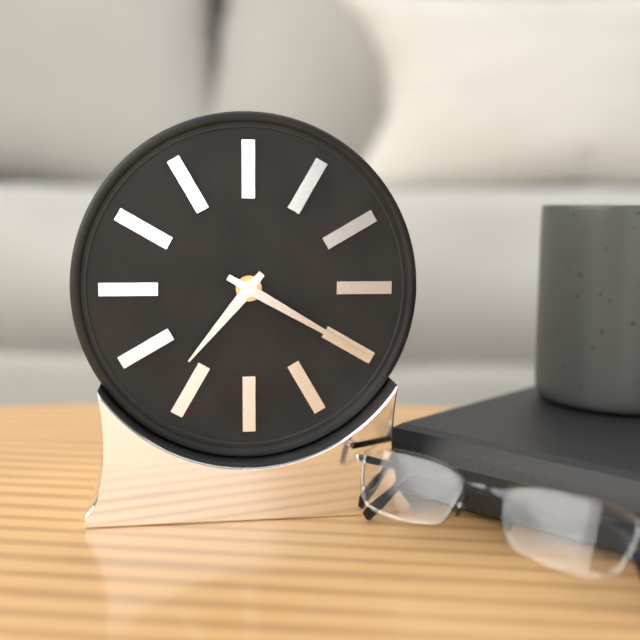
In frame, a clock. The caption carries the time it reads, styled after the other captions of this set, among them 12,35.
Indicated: 7,20
